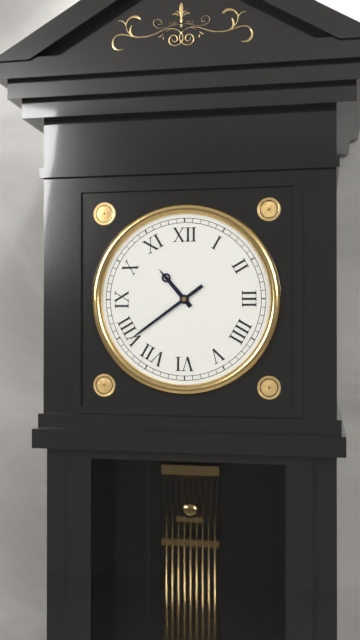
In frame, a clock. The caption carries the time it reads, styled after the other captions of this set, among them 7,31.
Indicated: 10,39
